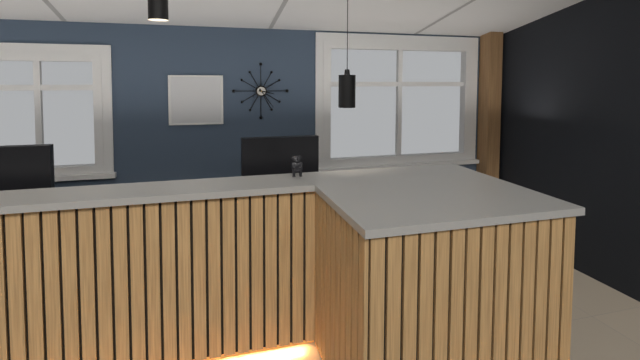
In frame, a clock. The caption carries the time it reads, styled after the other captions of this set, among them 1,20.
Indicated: 3,24
